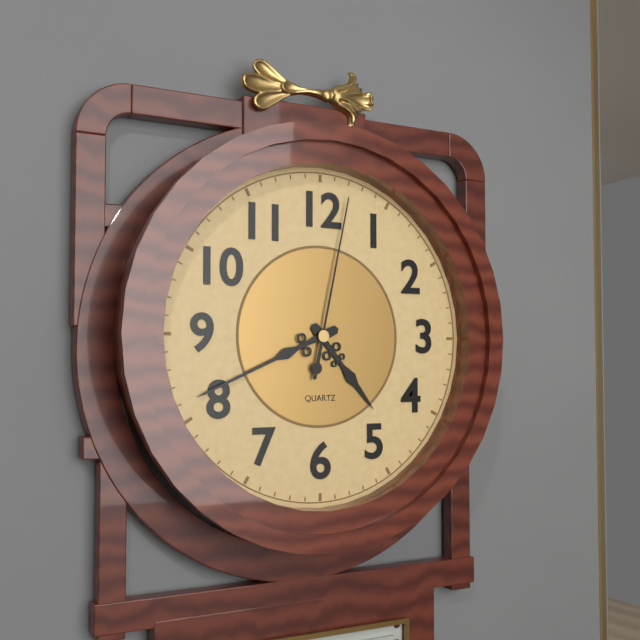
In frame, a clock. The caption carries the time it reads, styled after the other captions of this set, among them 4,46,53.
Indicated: 4,41,02
